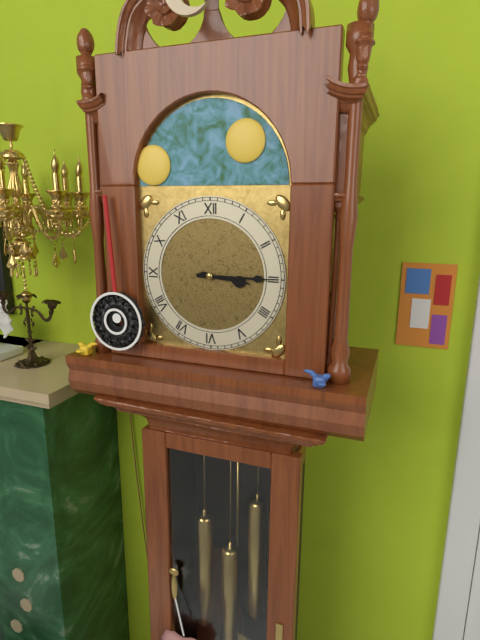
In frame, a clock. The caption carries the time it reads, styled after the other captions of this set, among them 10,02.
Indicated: 3,15
